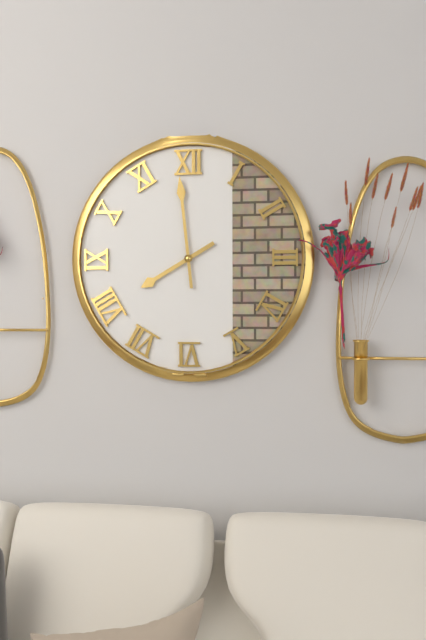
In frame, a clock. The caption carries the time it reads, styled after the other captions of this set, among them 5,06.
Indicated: 7,59
